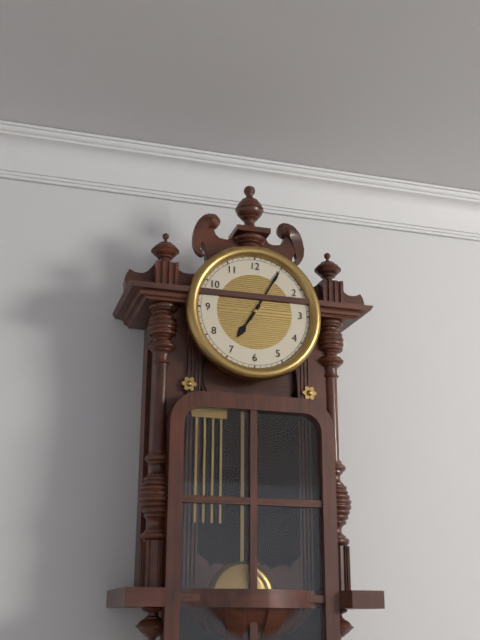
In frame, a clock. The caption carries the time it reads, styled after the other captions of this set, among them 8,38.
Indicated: 7,05
